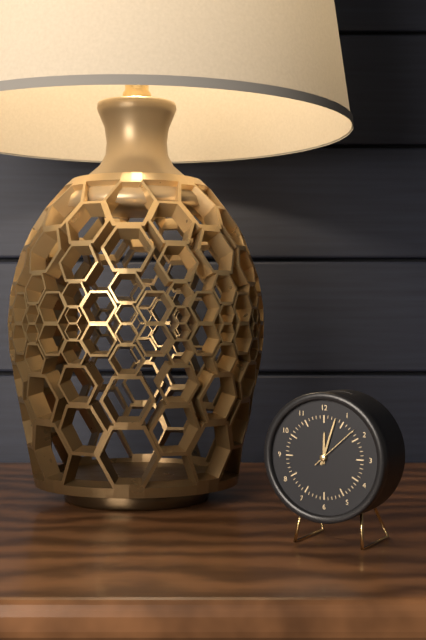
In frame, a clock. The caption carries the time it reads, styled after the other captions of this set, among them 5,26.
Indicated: 12,03
